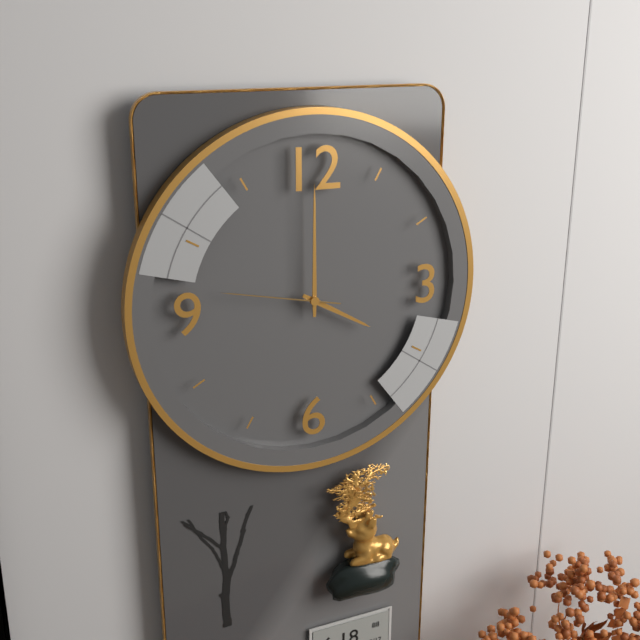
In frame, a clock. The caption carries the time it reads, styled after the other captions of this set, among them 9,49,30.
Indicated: 4,00,47
